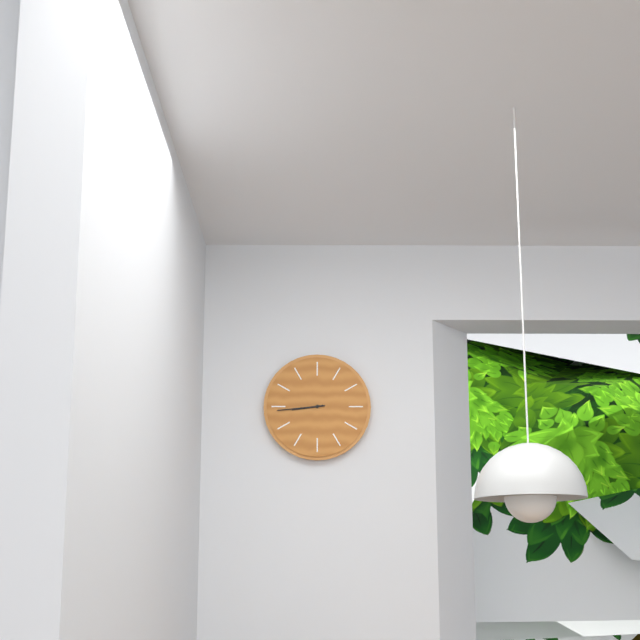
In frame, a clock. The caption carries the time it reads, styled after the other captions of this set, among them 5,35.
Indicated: 8,44
